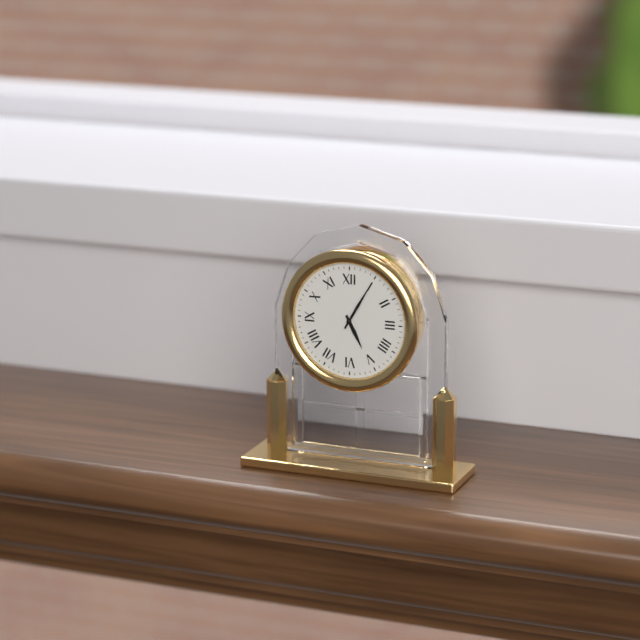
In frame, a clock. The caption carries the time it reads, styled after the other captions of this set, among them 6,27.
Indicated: 5,05
